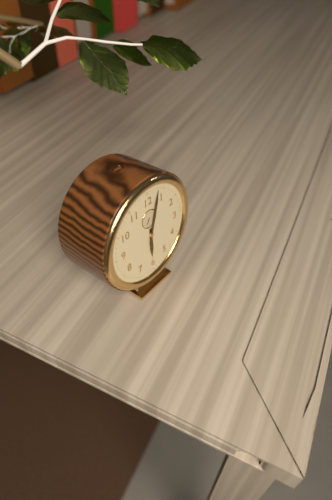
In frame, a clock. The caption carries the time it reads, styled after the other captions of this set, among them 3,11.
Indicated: 6,03
